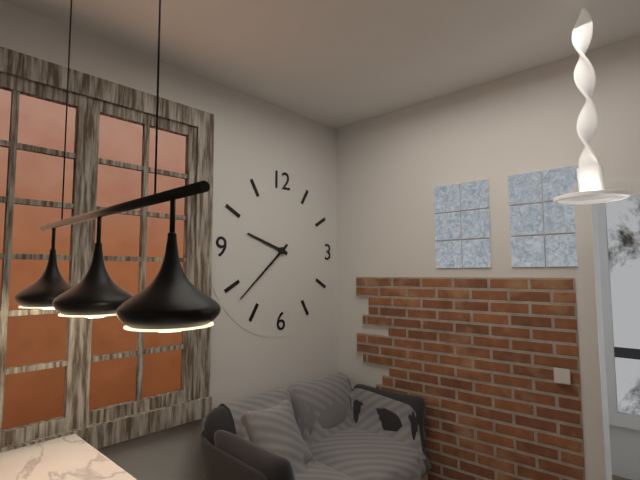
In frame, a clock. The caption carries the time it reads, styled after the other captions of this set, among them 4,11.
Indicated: 9,38
